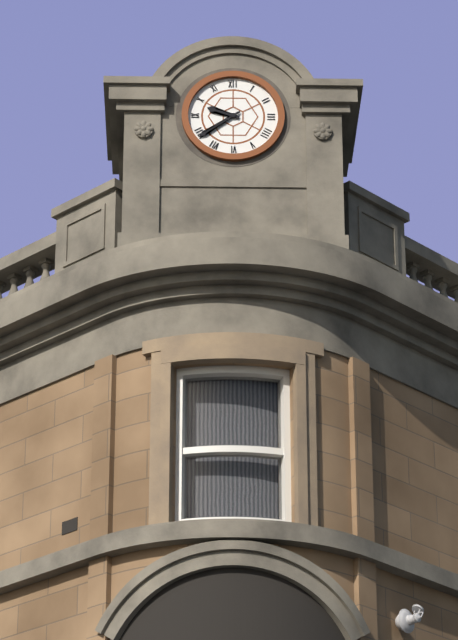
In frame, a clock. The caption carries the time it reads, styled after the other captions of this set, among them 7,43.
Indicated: 9,39
